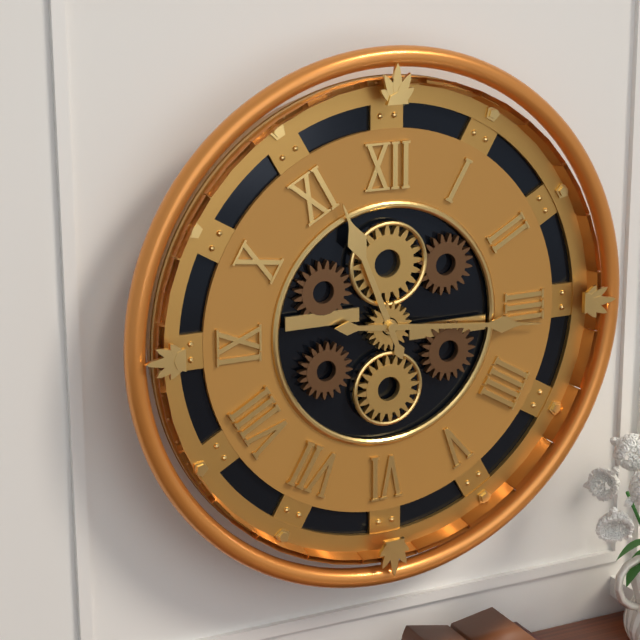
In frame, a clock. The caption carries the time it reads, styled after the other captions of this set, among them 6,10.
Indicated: 11,16
